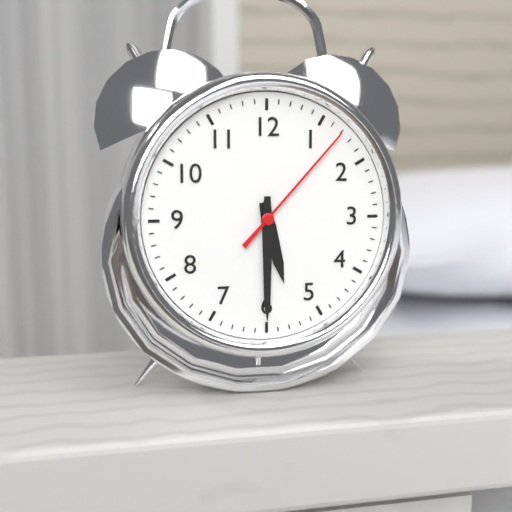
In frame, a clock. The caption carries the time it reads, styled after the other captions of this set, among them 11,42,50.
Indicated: 5,30,07
